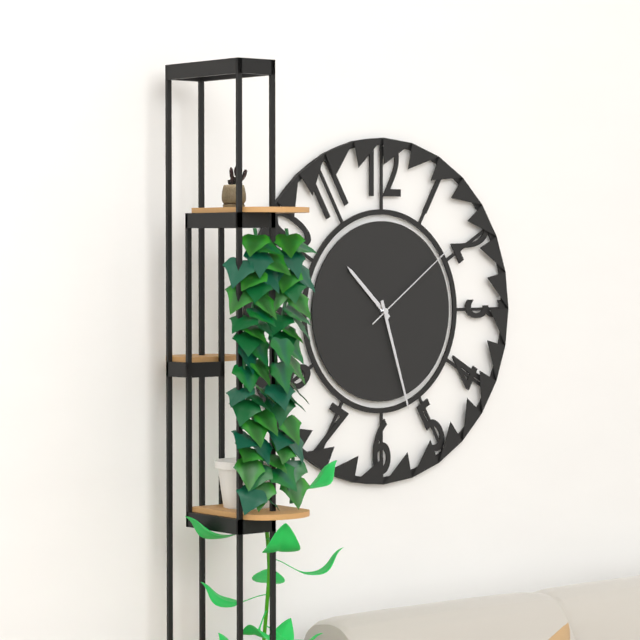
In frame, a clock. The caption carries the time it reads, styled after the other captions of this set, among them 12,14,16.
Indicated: 10,27,09
